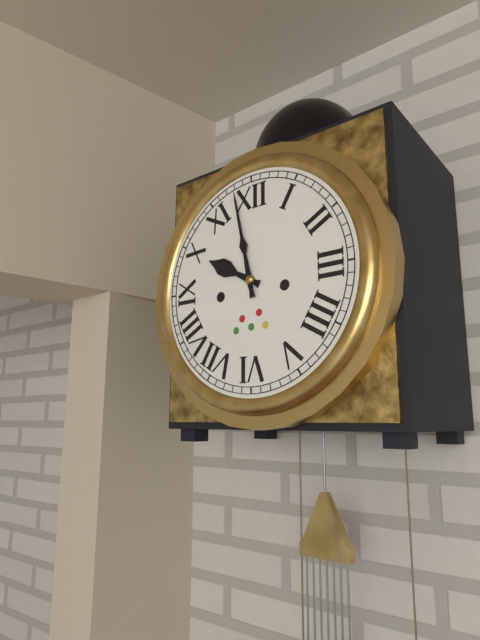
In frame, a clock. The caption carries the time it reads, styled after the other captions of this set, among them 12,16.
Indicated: 9,58
